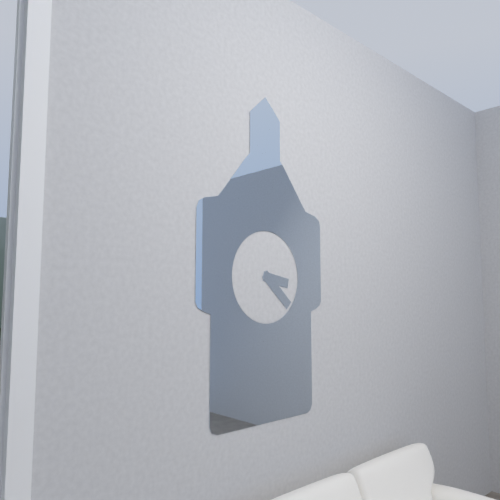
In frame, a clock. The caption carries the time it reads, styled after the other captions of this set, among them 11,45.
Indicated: 3,22
